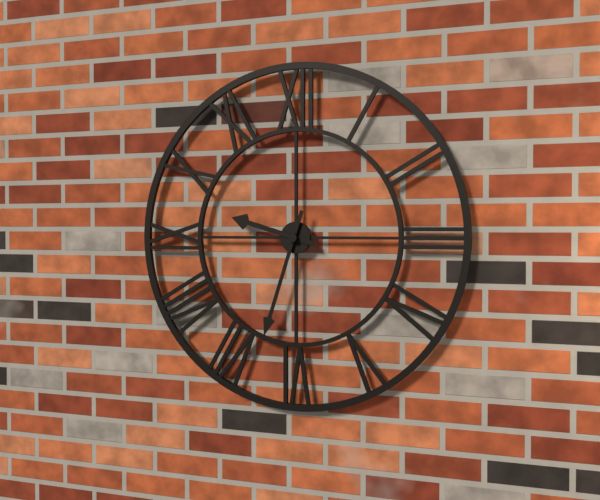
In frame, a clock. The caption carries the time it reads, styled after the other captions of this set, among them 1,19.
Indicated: 9,33
